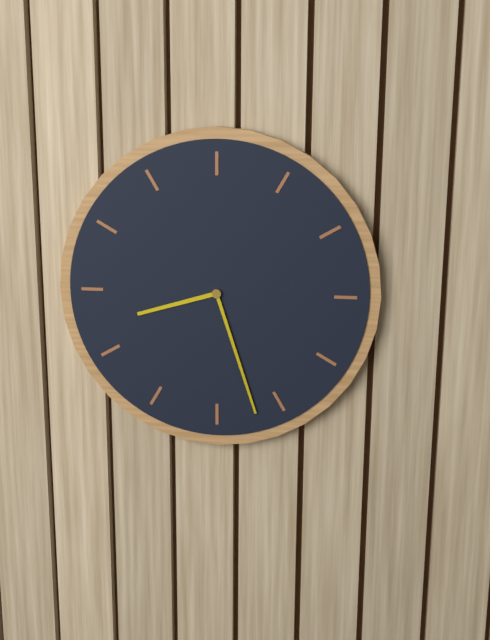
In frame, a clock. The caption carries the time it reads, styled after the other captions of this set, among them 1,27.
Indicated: 8,27
